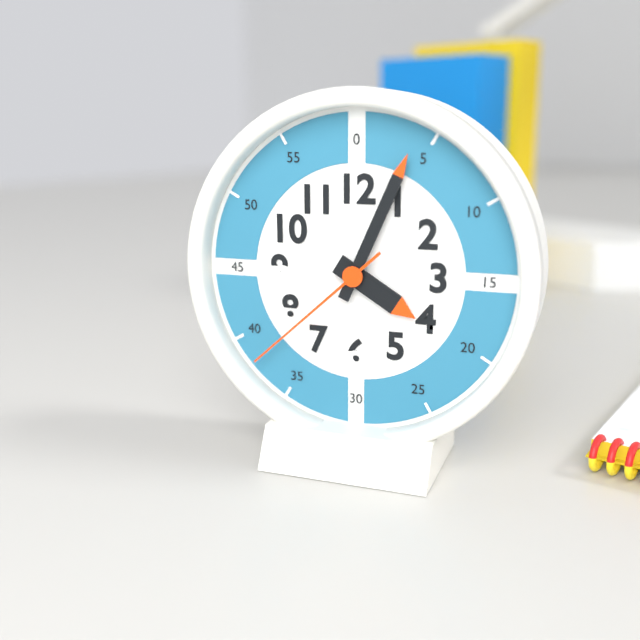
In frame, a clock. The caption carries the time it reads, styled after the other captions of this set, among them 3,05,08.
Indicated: 4,04,38
